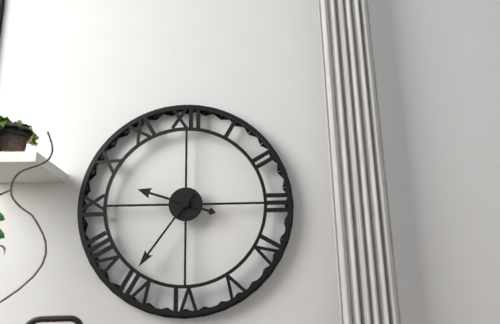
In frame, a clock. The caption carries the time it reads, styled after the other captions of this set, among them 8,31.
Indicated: 9,36
